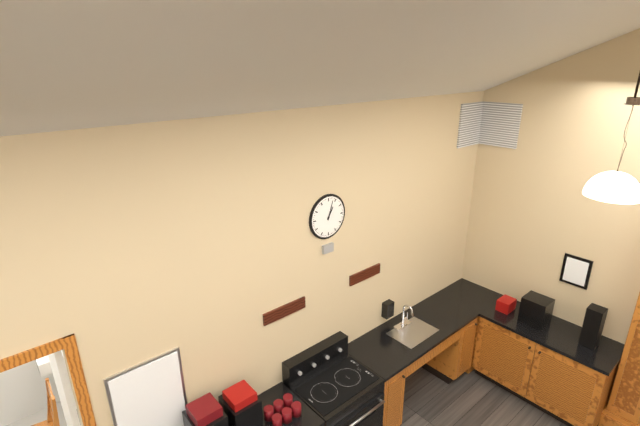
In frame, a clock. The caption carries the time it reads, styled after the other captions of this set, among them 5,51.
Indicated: 1,03
